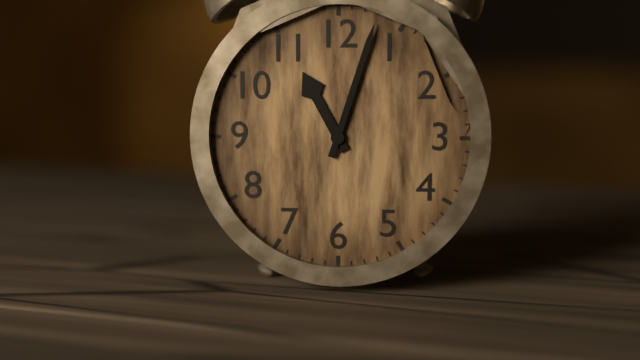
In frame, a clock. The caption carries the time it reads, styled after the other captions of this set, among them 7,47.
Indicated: 11,03
